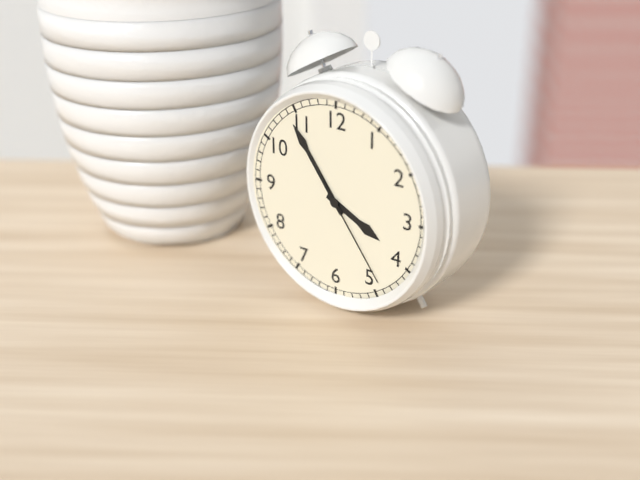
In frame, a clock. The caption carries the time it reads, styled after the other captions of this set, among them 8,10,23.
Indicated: 3,54,24
